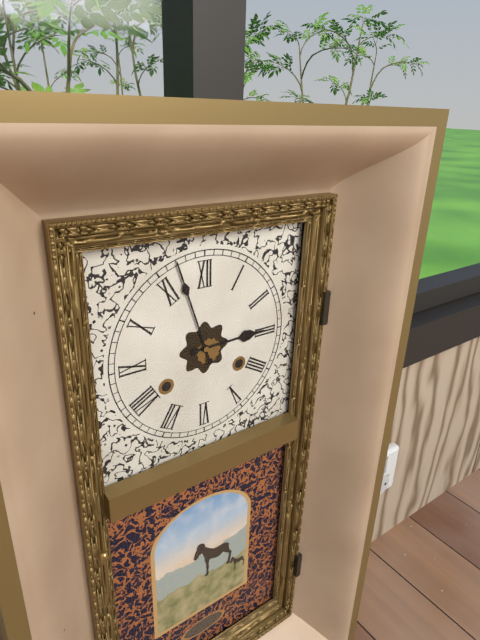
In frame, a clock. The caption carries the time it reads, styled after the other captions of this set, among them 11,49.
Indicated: 2,57
